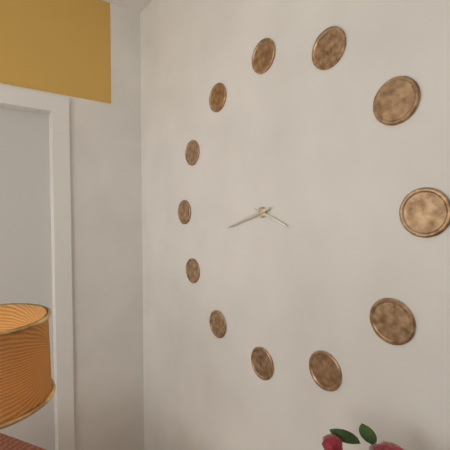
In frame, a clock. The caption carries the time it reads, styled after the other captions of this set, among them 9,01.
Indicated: 3,42
